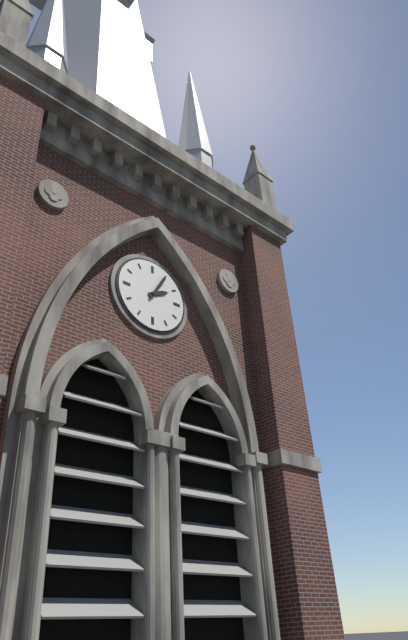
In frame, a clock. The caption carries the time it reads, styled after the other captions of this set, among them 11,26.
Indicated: 2,05
